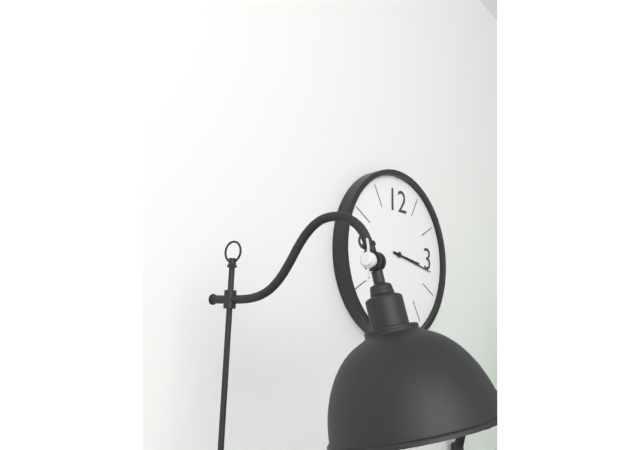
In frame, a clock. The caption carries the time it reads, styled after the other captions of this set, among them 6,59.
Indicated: 3,17
